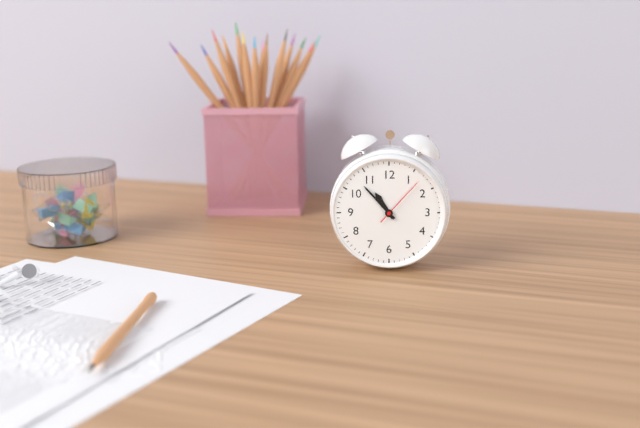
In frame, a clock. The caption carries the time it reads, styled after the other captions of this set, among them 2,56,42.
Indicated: 10,53,07
